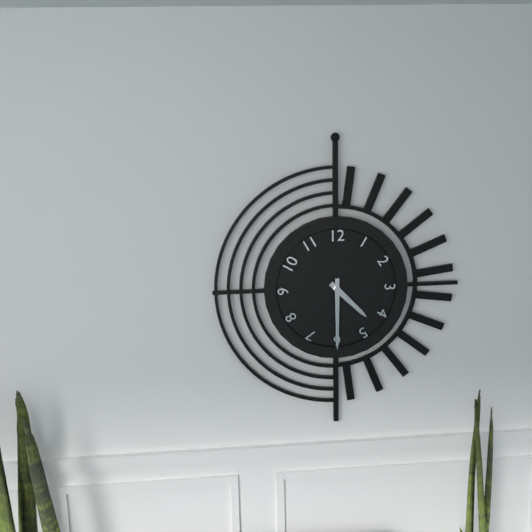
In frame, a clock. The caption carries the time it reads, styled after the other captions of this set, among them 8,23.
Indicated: 4,30
